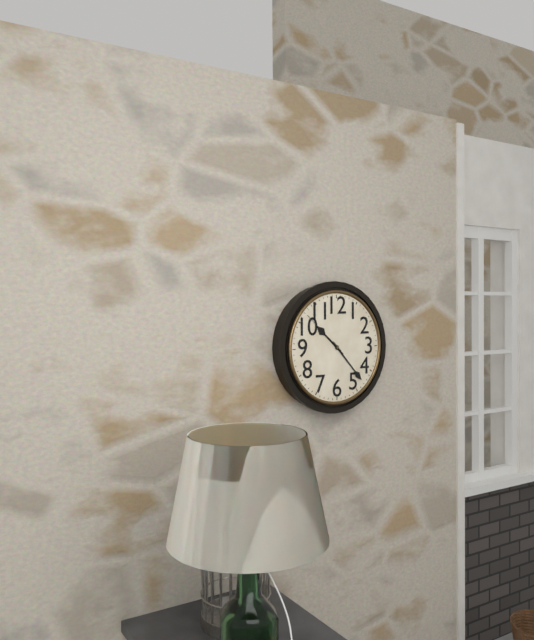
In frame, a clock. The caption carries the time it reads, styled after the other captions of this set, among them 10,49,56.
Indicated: 10,23,52
